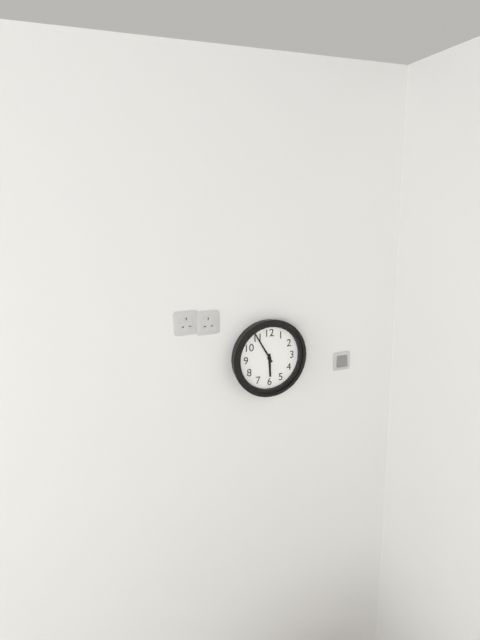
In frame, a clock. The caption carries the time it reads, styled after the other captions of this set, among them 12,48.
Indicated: 5,55
